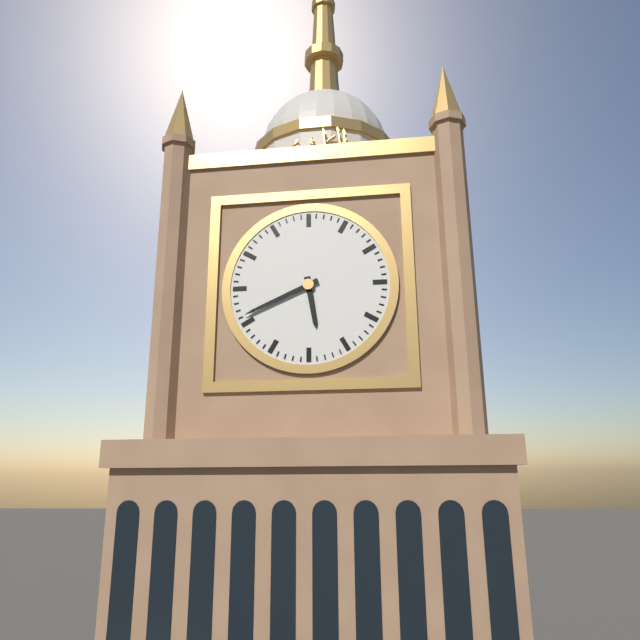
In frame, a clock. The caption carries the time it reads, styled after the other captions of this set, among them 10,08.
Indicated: 5,41
